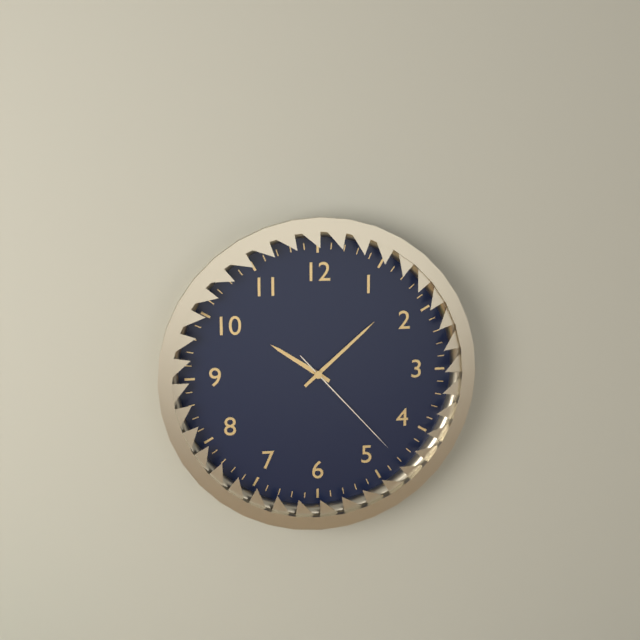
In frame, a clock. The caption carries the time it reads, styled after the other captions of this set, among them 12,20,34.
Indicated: 10,08,23
